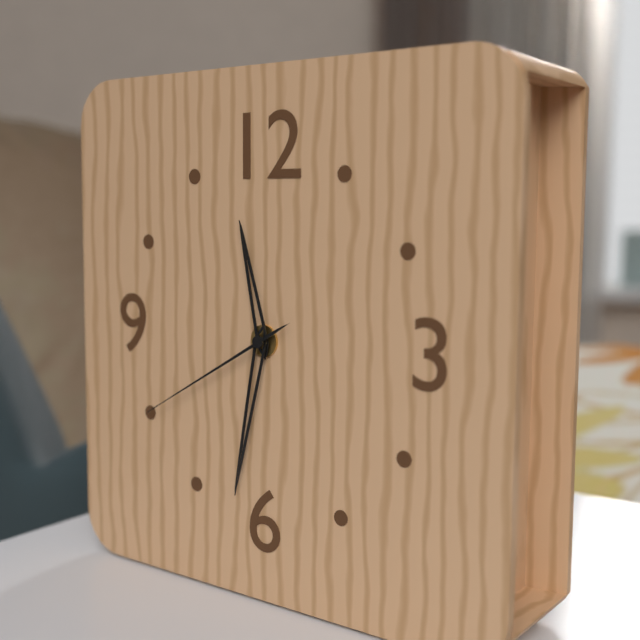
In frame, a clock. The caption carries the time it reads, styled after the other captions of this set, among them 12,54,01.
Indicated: 11,32,40
